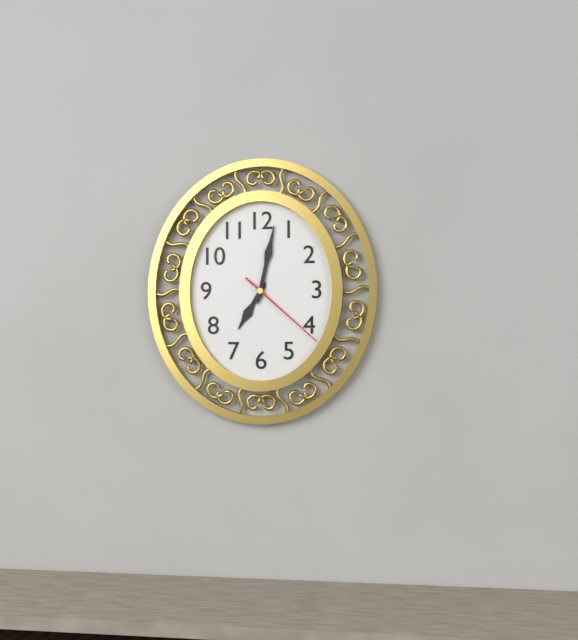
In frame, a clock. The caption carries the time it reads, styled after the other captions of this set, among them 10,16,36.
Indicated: 7,02,22
